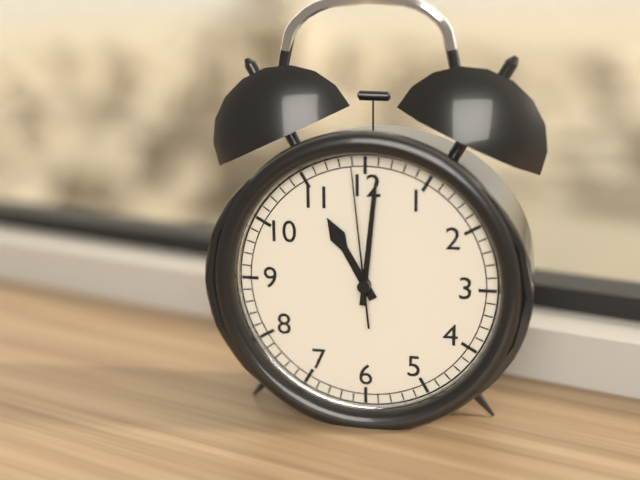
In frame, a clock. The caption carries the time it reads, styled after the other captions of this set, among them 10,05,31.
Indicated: 11,01,59
